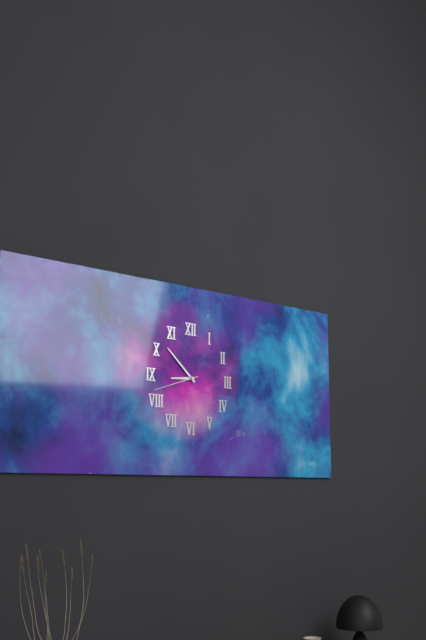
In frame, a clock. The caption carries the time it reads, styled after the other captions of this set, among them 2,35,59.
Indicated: 8,52,42
